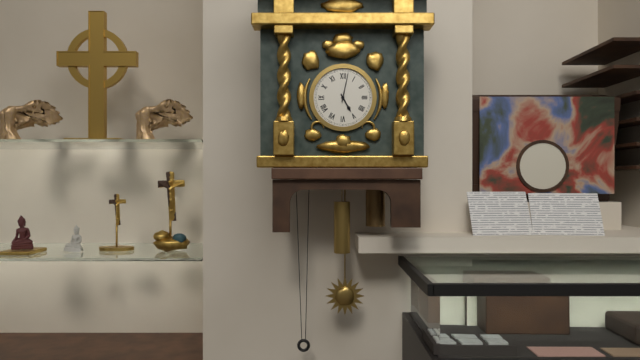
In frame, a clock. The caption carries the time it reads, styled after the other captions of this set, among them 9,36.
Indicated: 5,02
